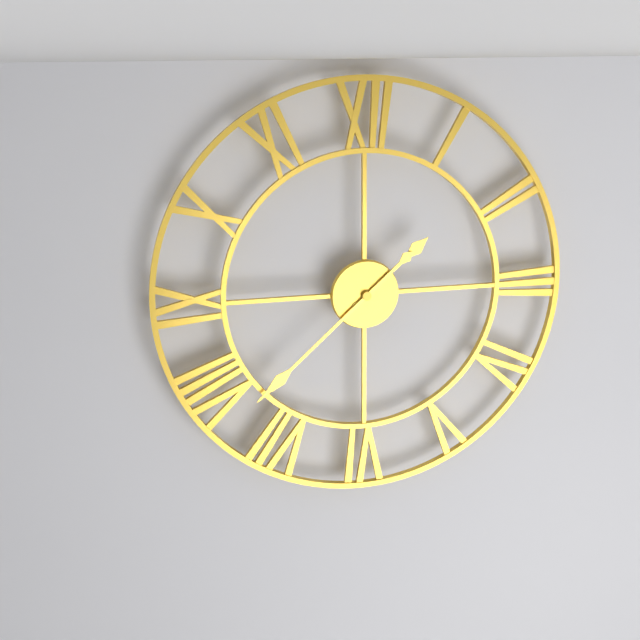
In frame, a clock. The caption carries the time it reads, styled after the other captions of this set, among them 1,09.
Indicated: 1,38
